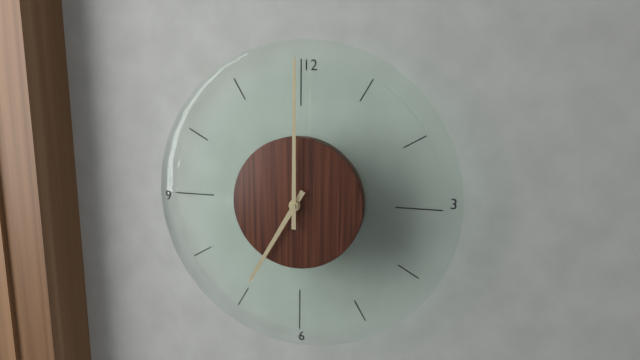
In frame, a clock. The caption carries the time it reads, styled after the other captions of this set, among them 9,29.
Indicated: 7,00
